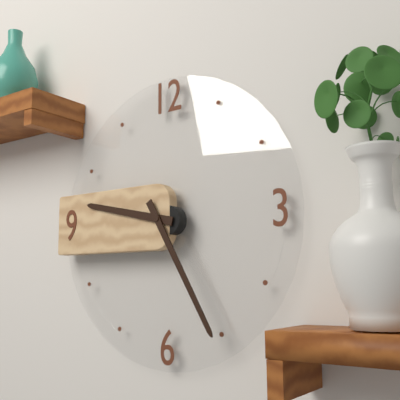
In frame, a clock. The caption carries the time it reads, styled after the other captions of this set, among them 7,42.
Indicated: 9,25
